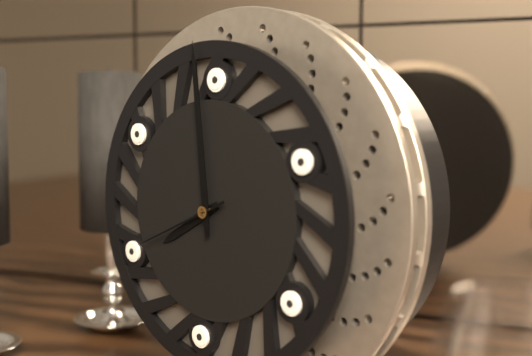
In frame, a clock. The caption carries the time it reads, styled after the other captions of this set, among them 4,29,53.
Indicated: 7,59,41
